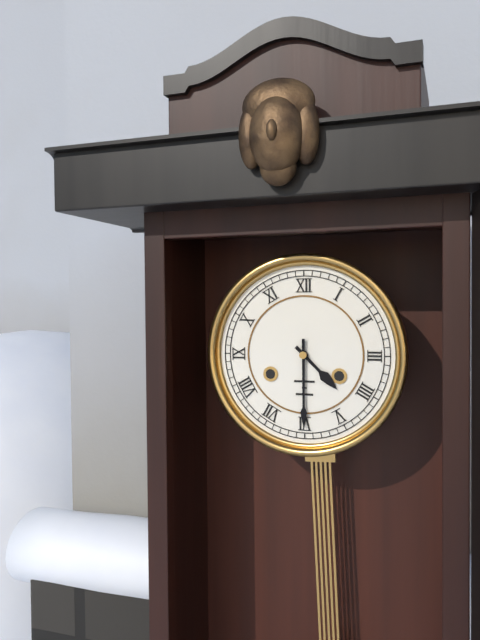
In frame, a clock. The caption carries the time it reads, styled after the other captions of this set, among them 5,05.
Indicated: 4,30
